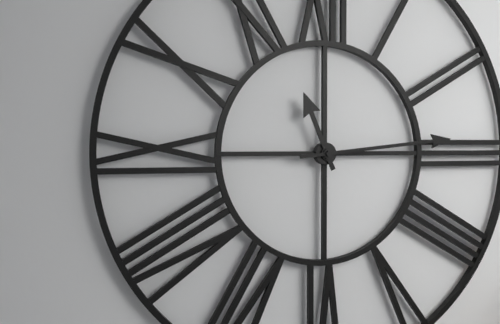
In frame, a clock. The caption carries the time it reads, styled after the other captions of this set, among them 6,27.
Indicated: 11,14
